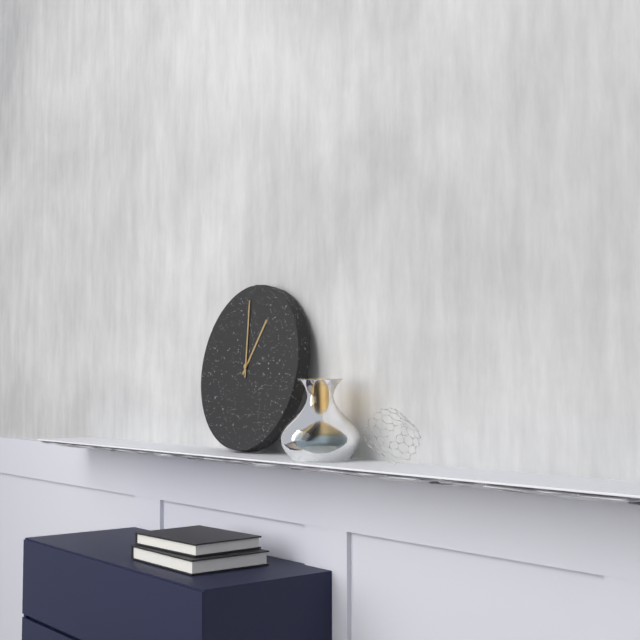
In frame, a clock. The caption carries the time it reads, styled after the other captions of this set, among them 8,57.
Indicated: 12,59
